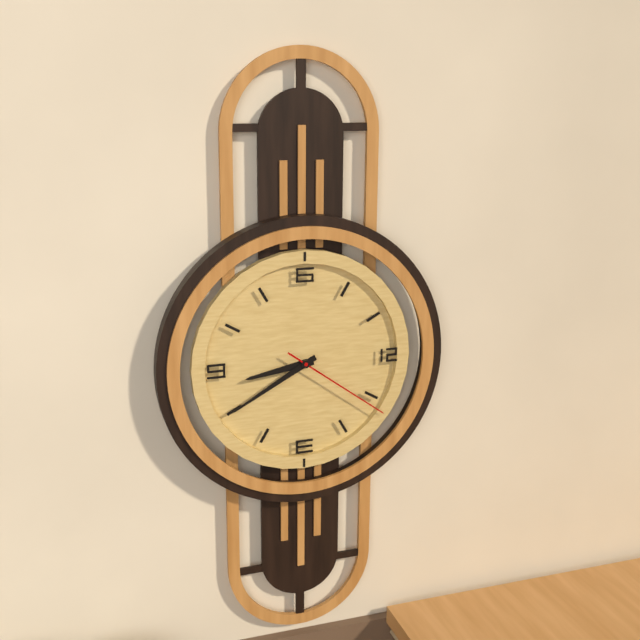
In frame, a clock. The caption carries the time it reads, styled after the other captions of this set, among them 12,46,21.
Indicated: 8,40,21
